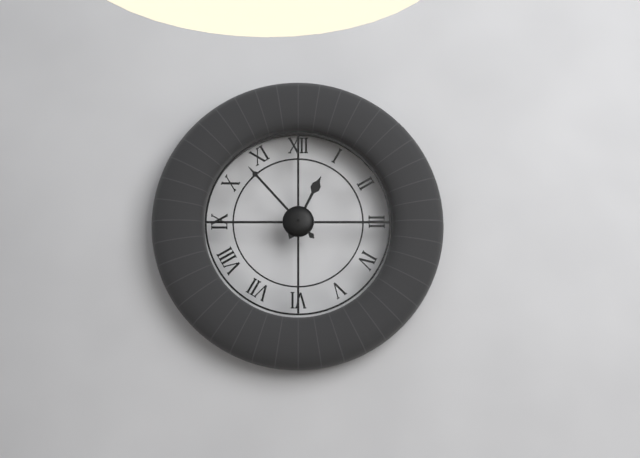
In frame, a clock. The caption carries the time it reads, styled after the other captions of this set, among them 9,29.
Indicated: 12,53
